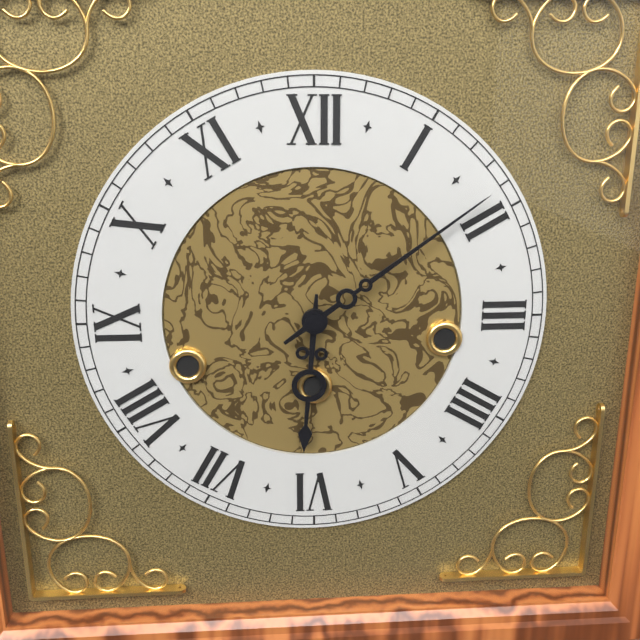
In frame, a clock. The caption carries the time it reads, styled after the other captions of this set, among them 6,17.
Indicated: 6,09
